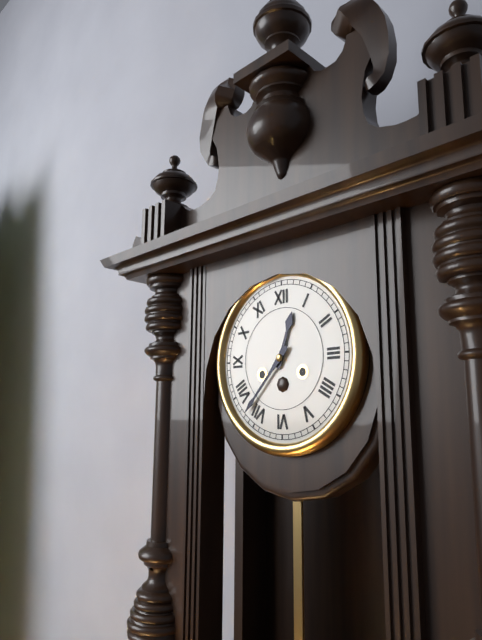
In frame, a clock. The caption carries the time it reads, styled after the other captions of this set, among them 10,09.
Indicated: 12,37
